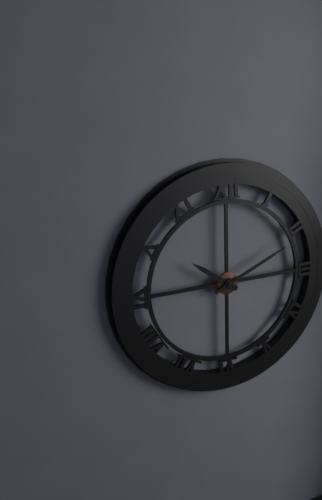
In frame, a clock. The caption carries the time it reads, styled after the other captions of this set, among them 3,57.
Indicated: 10,11
